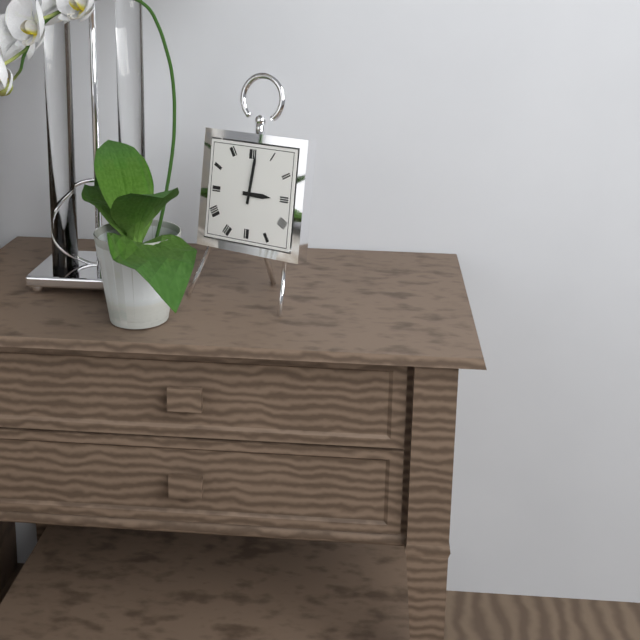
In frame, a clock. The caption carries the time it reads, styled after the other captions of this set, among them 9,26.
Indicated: 3,01
